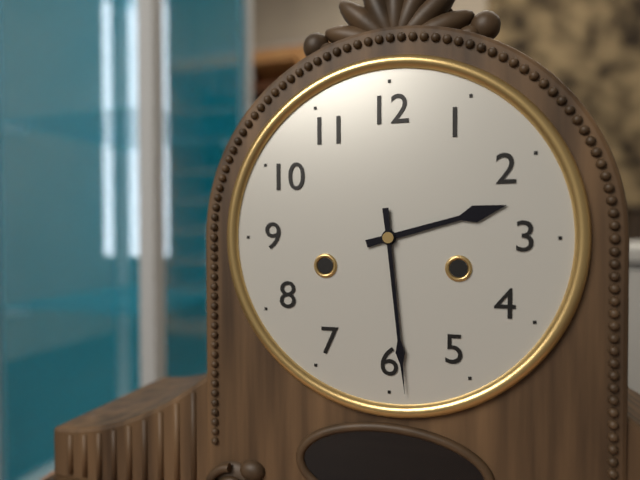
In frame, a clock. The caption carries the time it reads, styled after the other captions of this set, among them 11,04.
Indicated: 2,29
